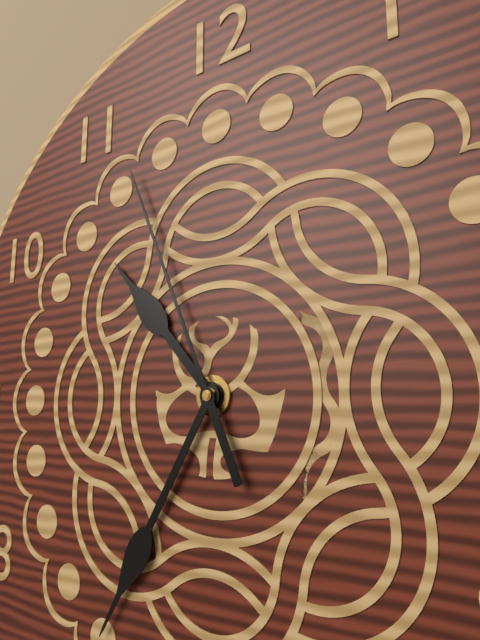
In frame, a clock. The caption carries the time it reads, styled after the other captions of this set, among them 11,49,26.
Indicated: 10,35,56
